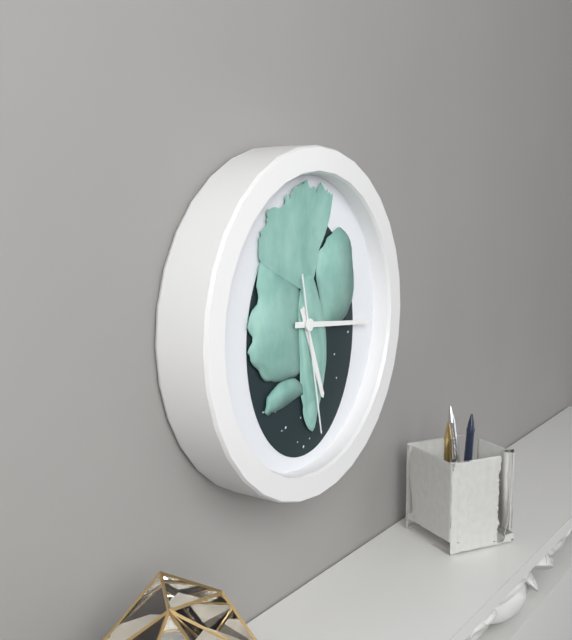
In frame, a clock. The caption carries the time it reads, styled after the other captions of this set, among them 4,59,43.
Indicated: 5,16,28
